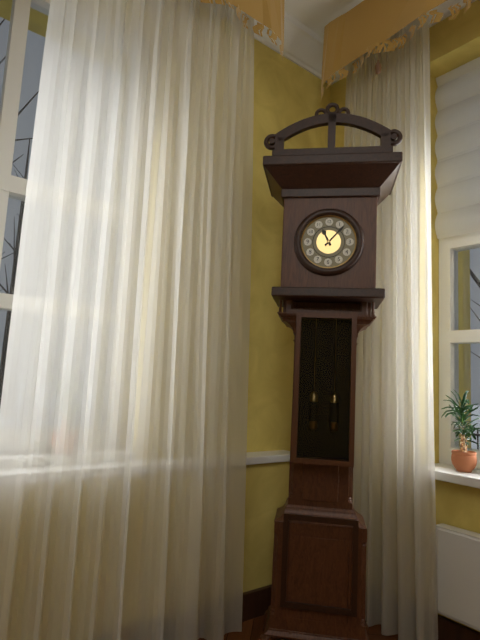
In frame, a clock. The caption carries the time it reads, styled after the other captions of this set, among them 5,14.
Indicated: 11,07
